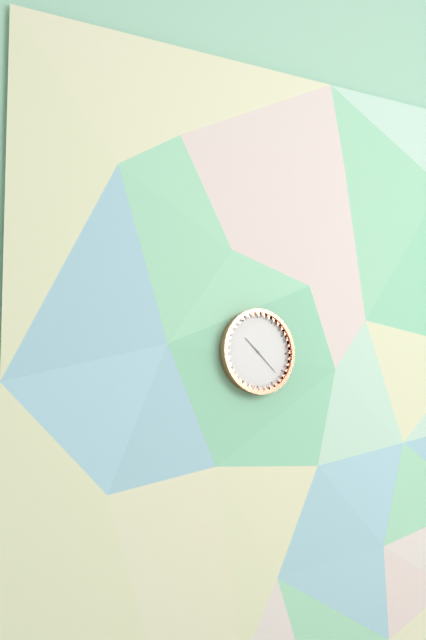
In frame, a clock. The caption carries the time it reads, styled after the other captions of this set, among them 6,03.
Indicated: 10,22
